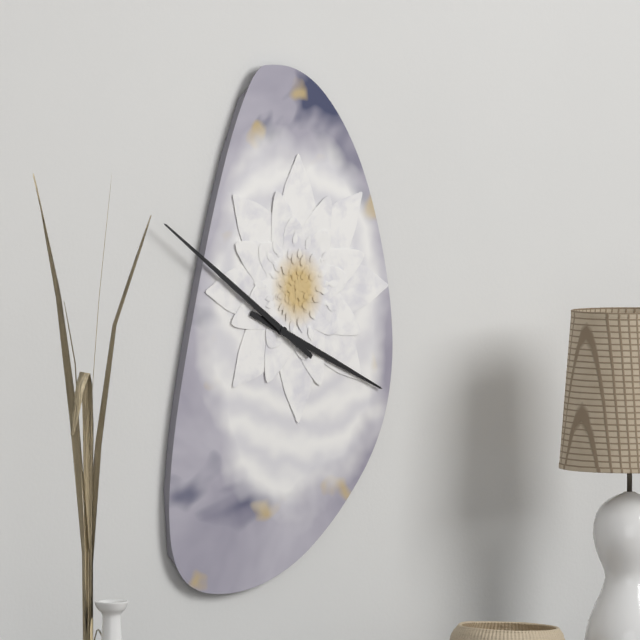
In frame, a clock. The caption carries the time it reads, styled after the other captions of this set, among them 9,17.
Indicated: 3,51
